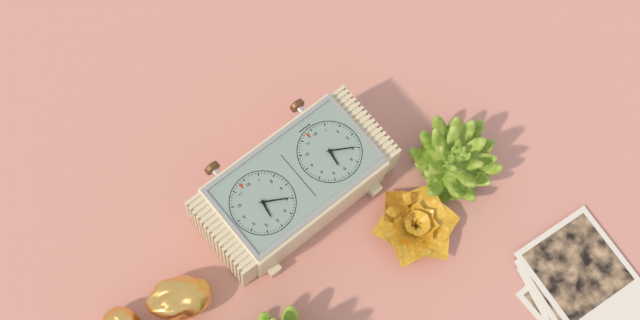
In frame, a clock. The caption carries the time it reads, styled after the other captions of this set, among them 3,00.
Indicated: 6,20
